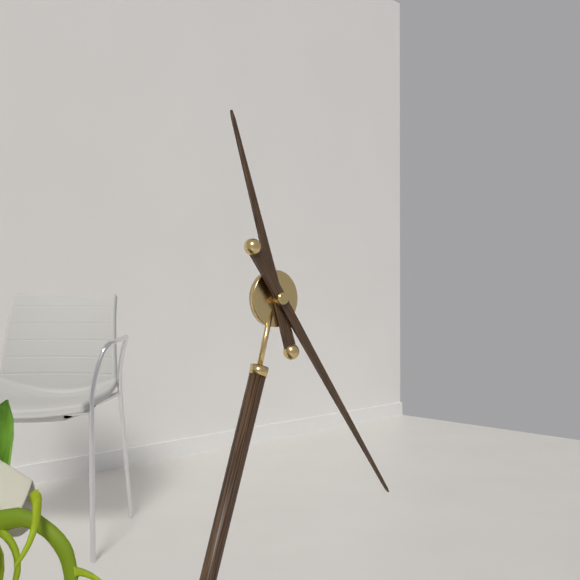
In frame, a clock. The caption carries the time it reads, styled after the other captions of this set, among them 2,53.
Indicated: 11,24
